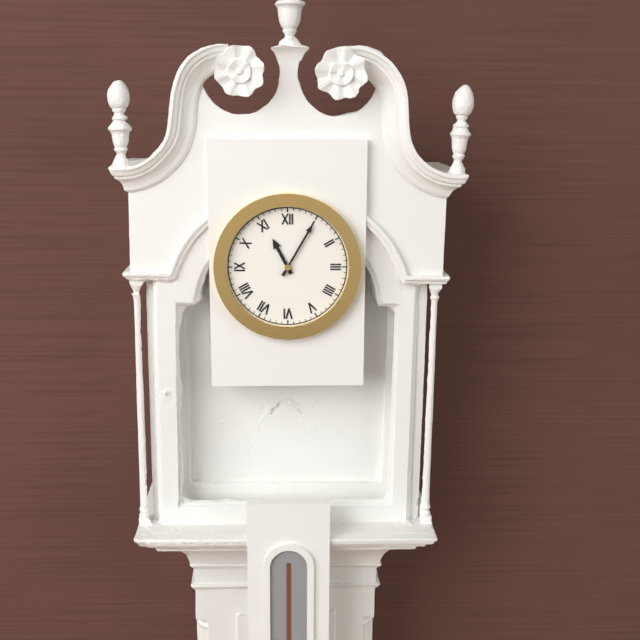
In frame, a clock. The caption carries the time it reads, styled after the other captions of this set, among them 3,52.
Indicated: 11,05
